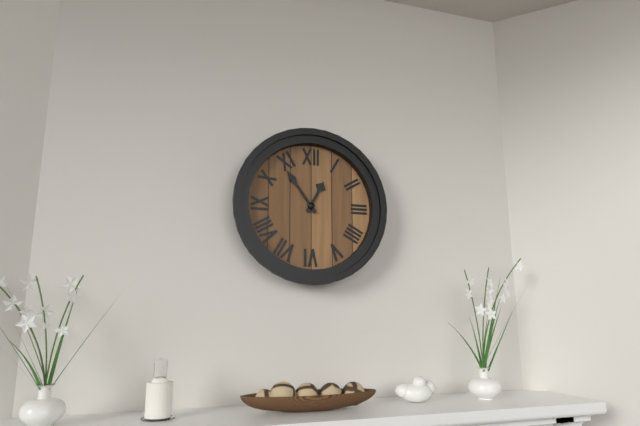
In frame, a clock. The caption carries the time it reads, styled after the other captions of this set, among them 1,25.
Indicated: 12,54
